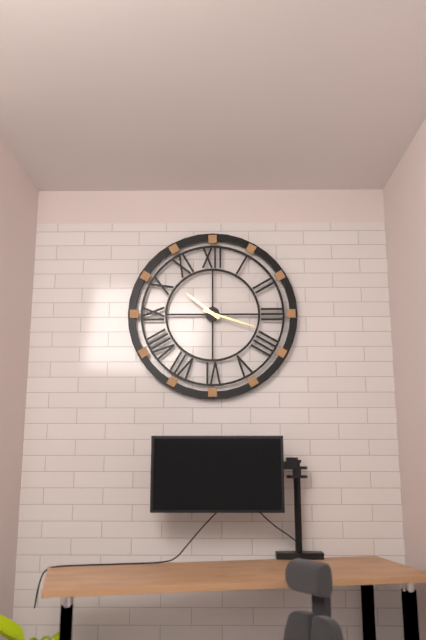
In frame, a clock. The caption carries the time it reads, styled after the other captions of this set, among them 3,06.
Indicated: 10,18
